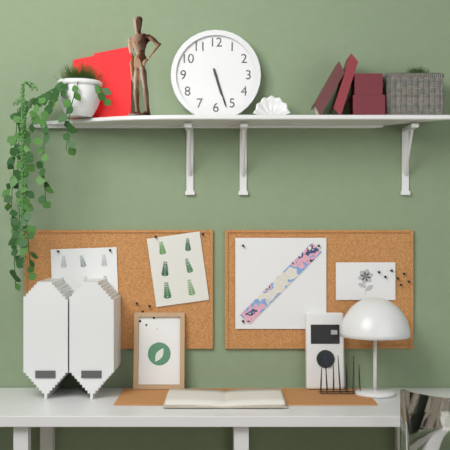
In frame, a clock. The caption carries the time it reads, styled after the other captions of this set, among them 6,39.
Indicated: 5,27
